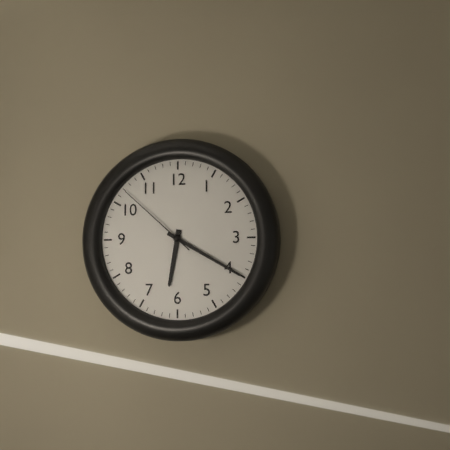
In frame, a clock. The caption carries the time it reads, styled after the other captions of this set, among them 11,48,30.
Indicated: 6,20,52
